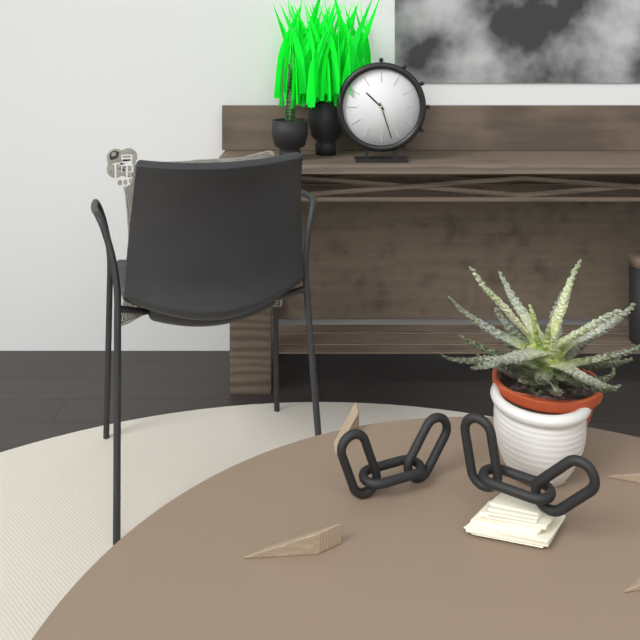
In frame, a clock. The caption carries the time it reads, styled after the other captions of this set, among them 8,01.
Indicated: 10,27
